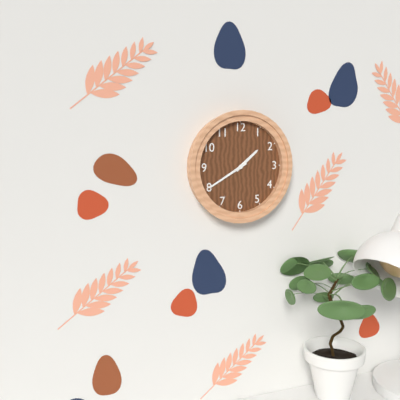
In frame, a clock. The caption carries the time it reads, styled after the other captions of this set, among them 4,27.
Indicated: 1,40
